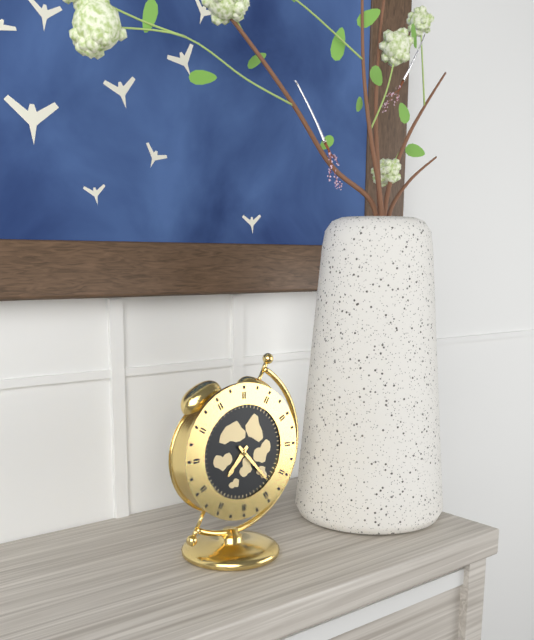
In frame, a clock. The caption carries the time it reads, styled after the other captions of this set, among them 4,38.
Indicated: 7,23
